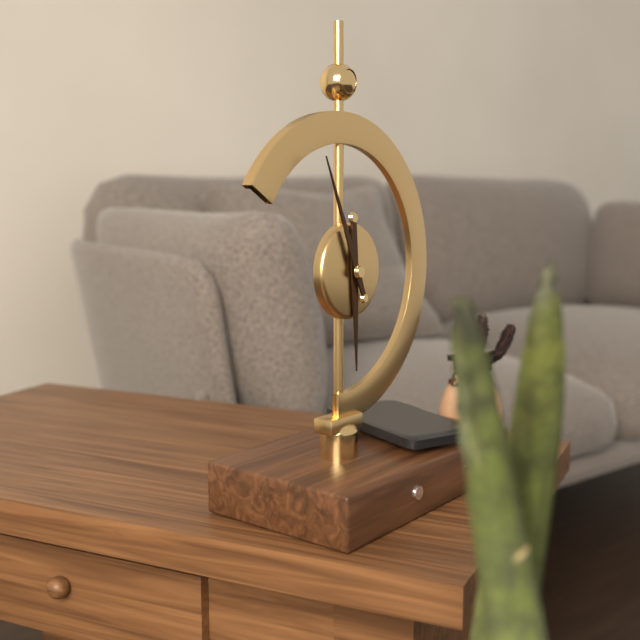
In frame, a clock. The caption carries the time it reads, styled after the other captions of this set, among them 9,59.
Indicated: 5,56
